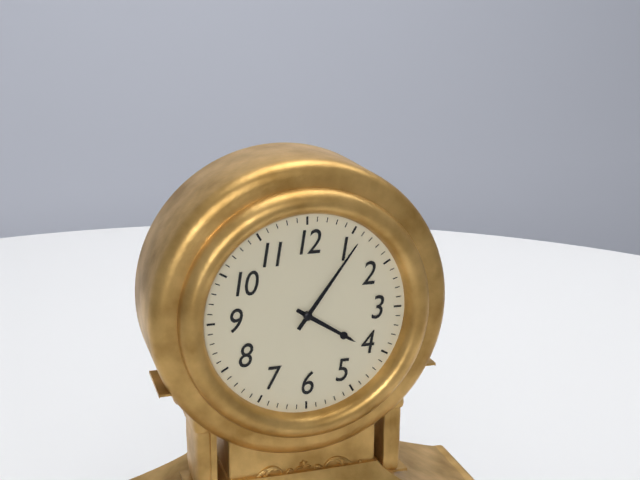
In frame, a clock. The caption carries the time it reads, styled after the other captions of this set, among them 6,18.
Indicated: 4,06
